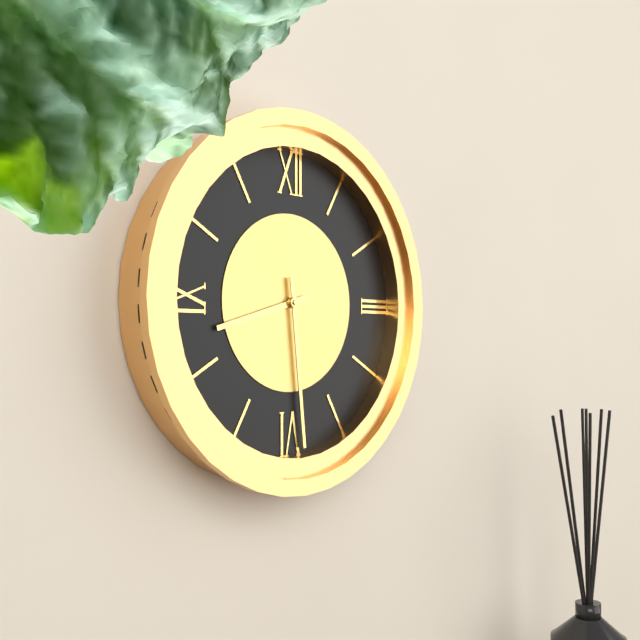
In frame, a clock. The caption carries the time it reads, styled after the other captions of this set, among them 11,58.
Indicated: 8,29
